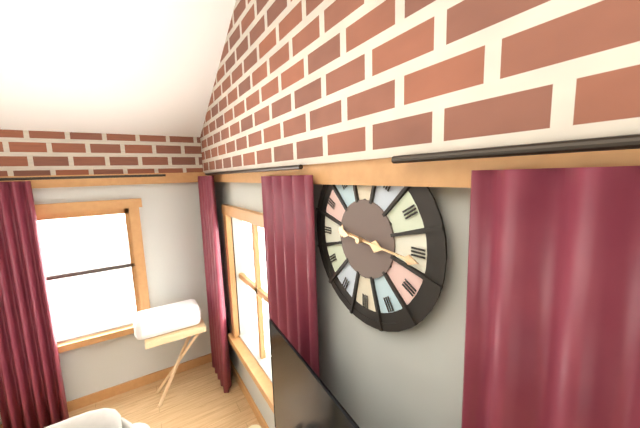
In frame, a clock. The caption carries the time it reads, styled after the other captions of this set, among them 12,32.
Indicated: 9,16
